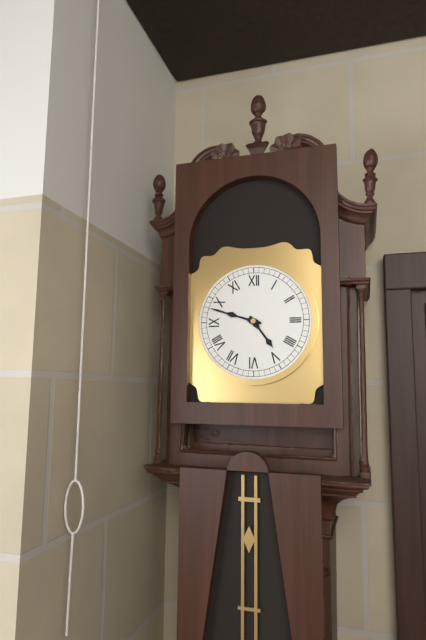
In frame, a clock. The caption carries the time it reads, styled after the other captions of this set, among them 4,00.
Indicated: 4,48
